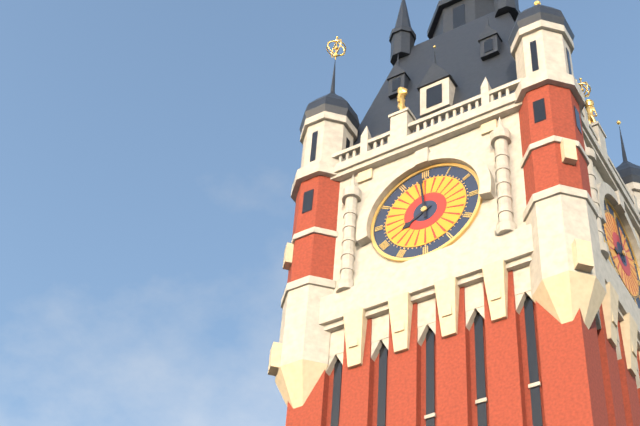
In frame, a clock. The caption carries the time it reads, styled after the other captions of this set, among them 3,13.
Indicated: 7,59
